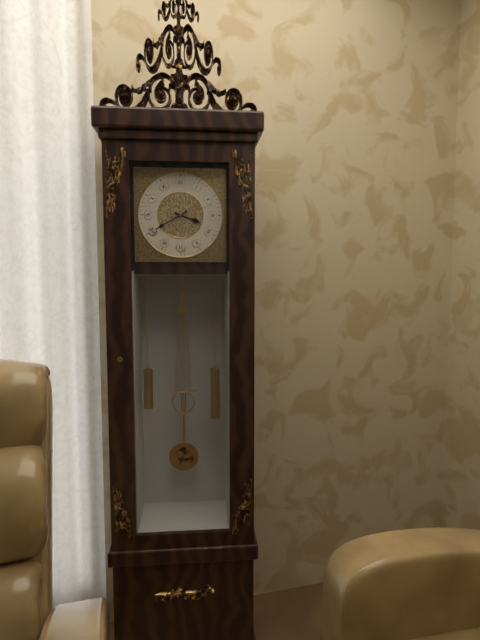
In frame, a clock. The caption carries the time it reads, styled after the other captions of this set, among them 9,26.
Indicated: 3,40
